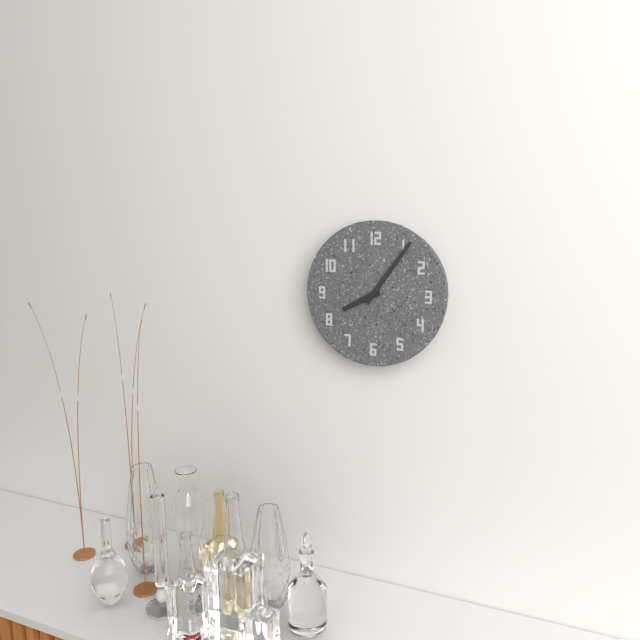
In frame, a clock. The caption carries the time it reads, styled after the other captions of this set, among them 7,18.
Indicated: 8,06
